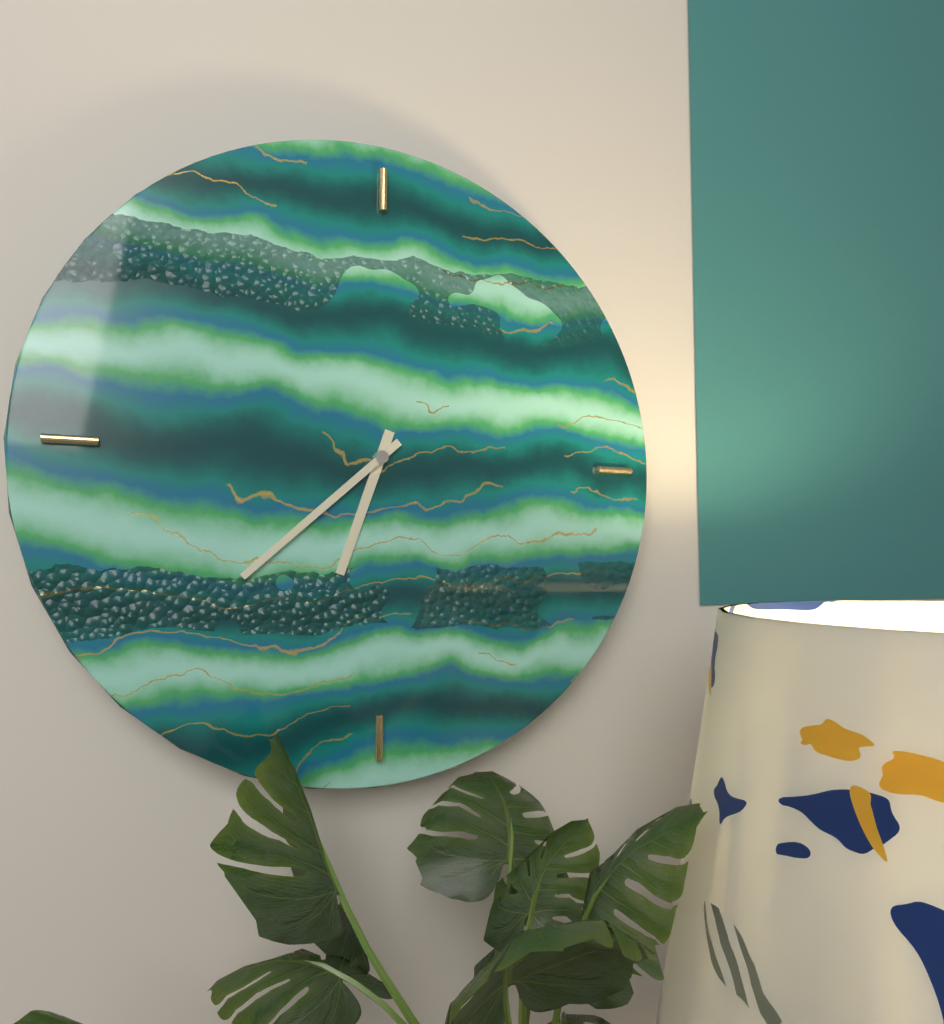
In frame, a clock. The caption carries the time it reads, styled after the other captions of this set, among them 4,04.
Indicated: 6,38
